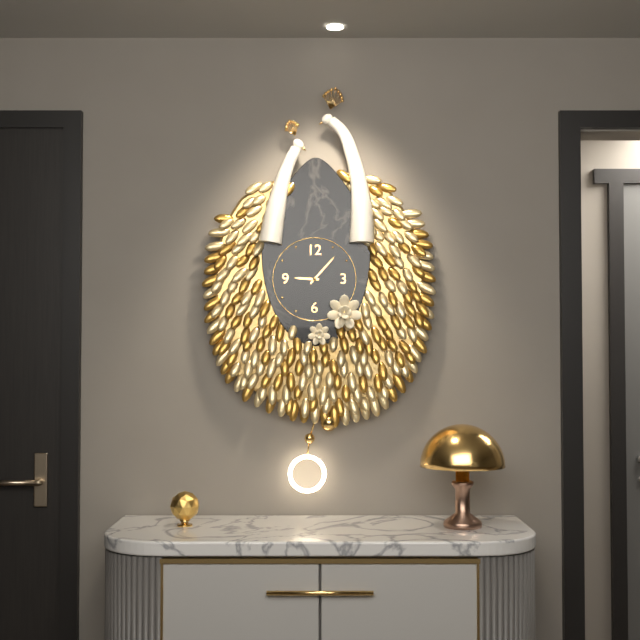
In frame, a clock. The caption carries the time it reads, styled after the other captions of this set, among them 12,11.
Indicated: 9,07
